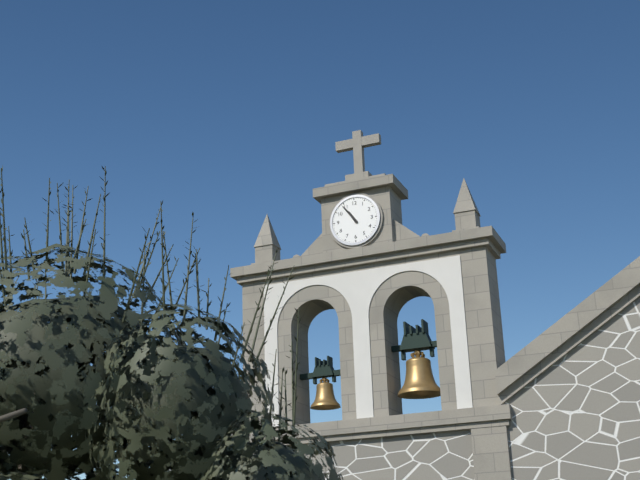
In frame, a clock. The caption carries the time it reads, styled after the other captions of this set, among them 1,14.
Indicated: 10,54
